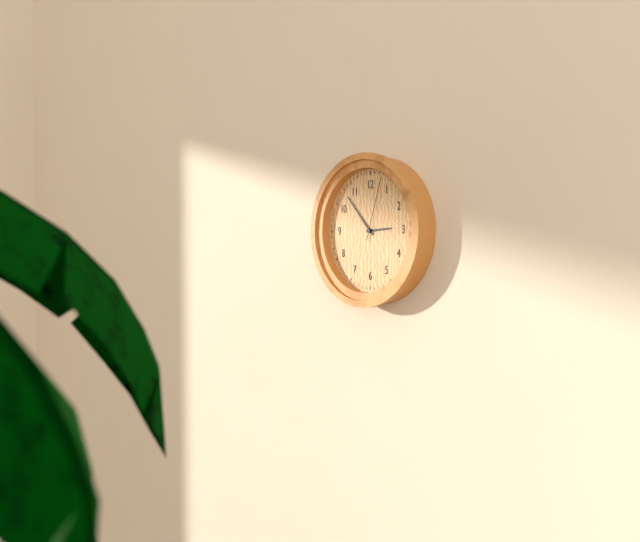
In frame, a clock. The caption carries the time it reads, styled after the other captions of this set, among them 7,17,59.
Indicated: 2,53,03
